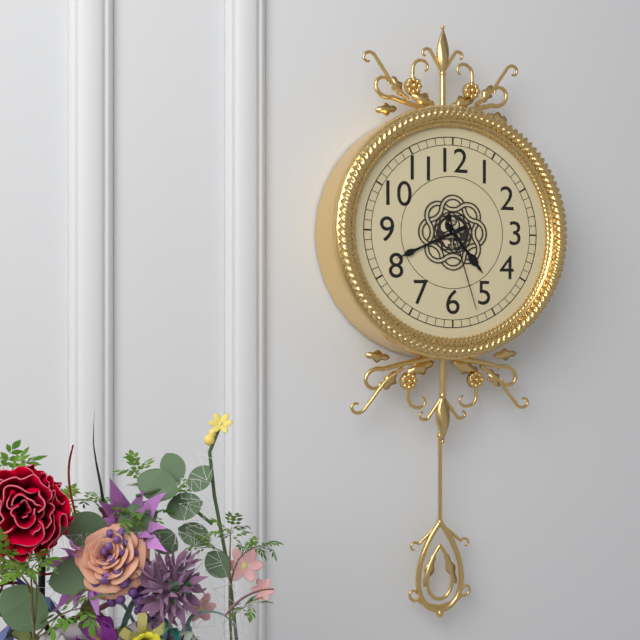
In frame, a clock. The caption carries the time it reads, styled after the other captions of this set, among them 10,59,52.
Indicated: 4,41,27
